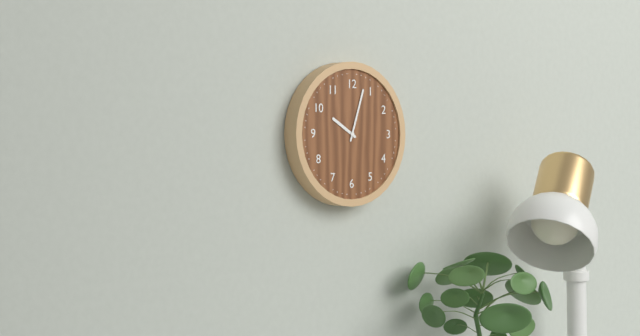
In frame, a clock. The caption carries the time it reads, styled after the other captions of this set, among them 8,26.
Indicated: 10,03
